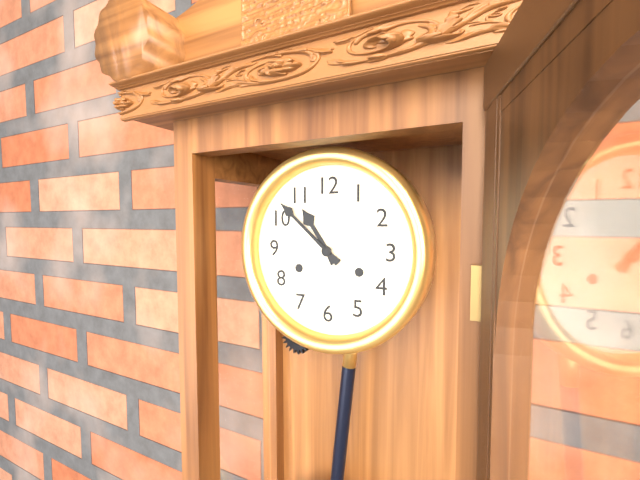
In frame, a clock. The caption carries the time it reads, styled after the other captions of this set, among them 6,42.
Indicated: 10,52
